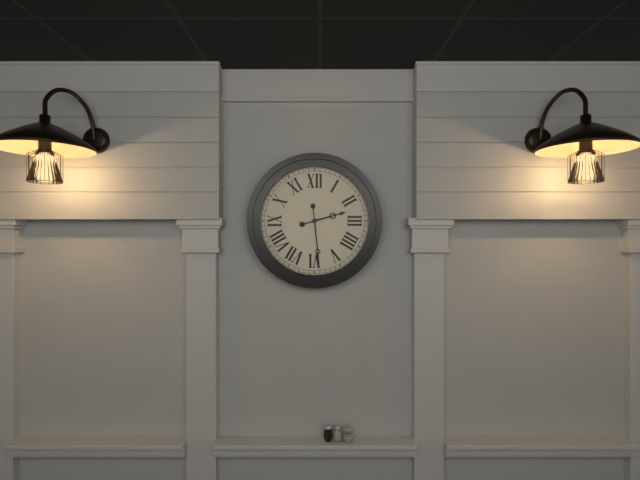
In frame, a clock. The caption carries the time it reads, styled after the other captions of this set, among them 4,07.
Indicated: 2,29
